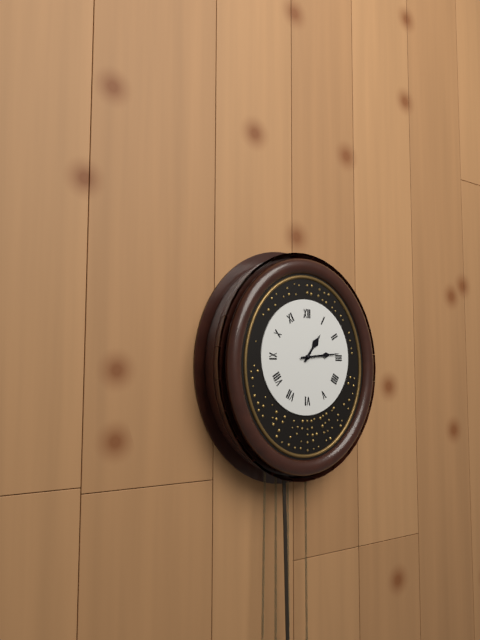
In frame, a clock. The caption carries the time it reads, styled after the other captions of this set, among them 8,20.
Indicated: 1,14
